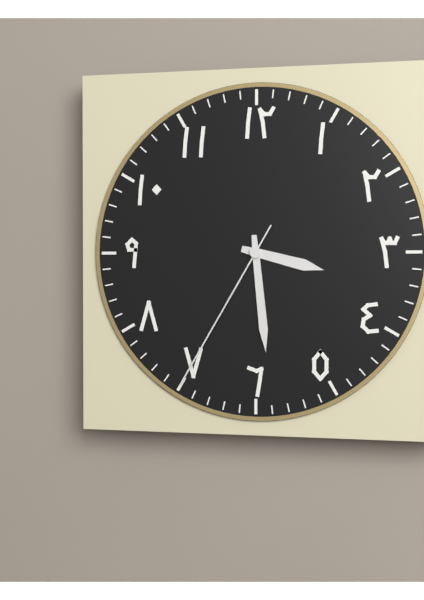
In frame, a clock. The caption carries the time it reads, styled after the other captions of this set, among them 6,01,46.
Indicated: 3,29,35
